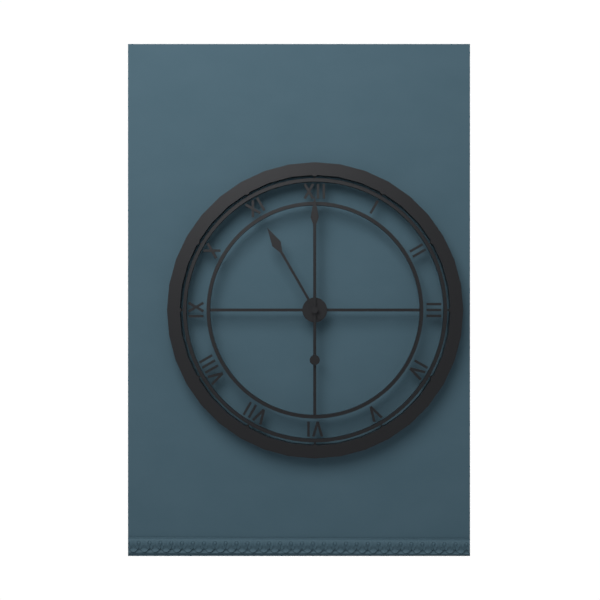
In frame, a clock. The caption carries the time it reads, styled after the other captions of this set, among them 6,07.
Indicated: 11,00
